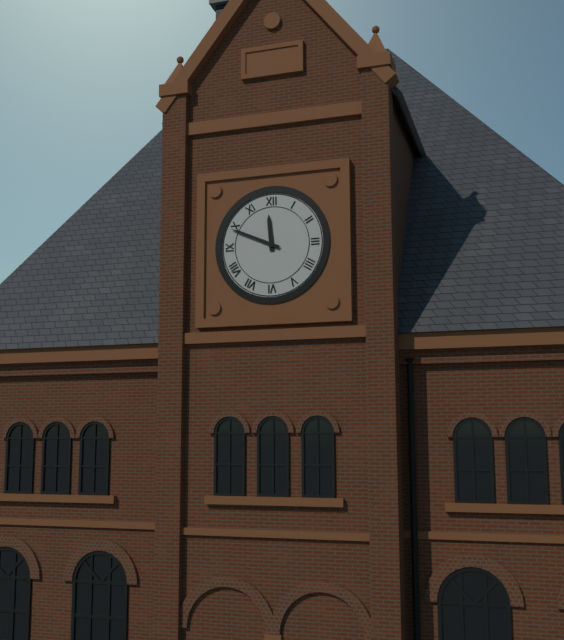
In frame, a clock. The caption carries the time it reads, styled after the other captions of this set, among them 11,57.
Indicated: 11,49
